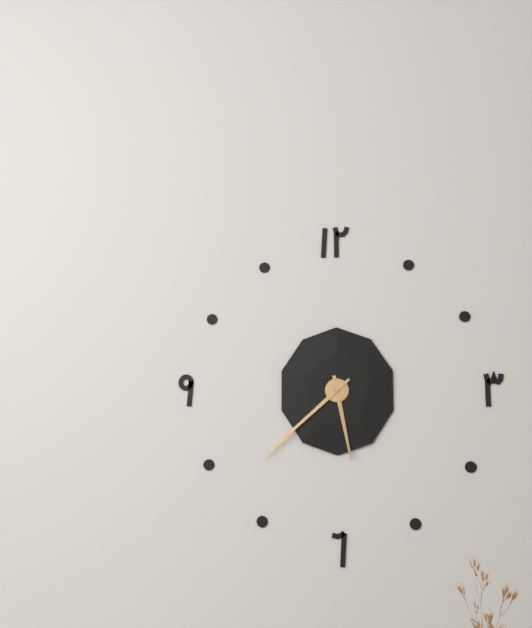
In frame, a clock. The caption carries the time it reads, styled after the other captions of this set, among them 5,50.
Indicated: 5,38
